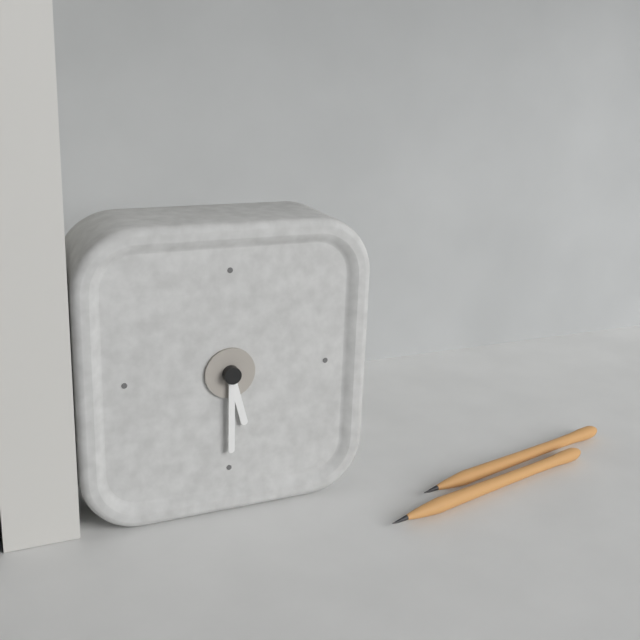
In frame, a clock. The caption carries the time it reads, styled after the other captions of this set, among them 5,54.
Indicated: 5,30
